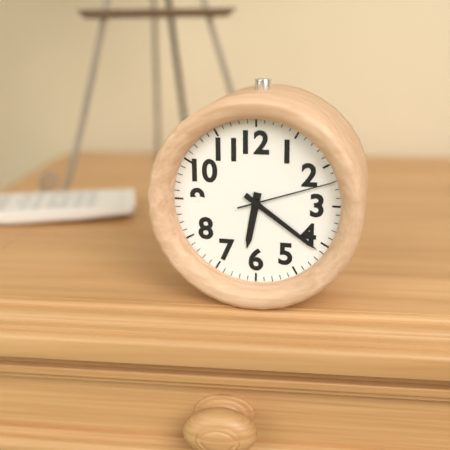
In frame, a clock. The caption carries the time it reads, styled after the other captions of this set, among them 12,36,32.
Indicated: 6,21,12
